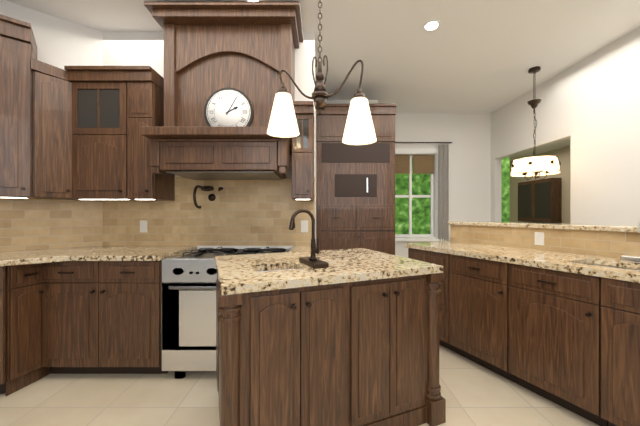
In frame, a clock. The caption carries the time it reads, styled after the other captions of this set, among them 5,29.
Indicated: 2,05
